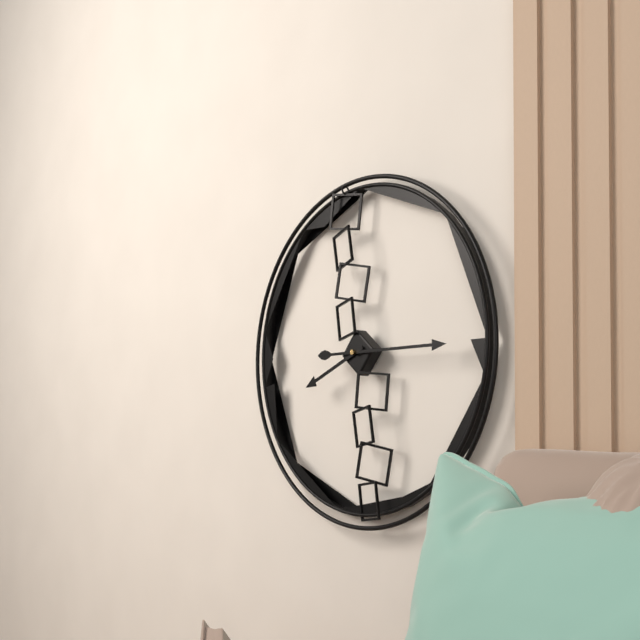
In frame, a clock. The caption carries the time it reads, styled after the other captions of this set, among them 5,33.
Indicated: 8,15
